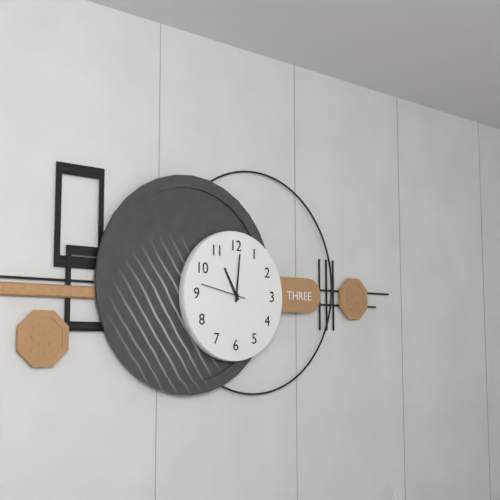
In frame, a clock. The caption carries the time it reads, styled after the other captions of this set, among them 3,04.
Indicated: 11,01
